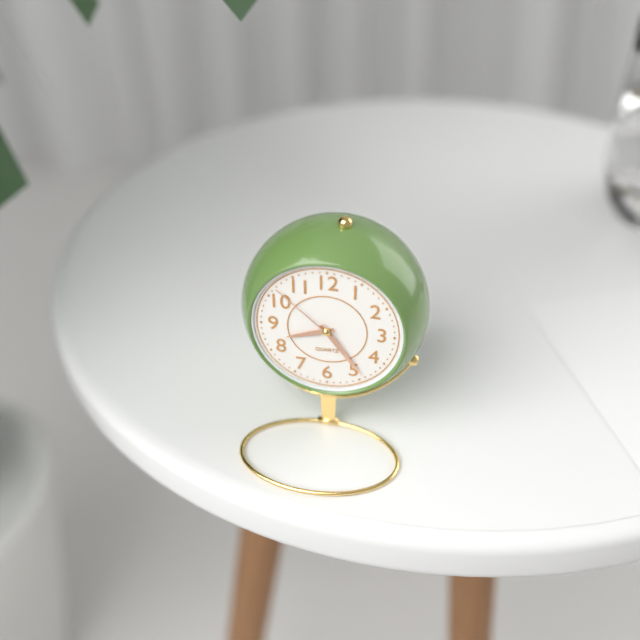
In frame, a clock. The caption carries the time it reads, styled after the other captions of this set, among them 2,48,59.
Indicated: 8,24,52
